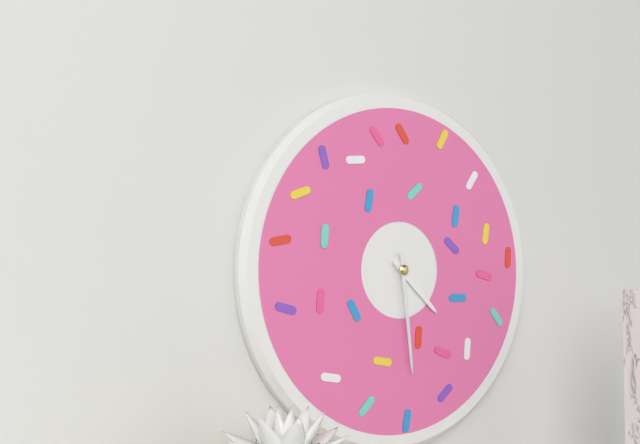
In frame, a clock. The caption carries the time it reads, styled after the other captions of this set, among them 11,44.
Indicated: 4,29
